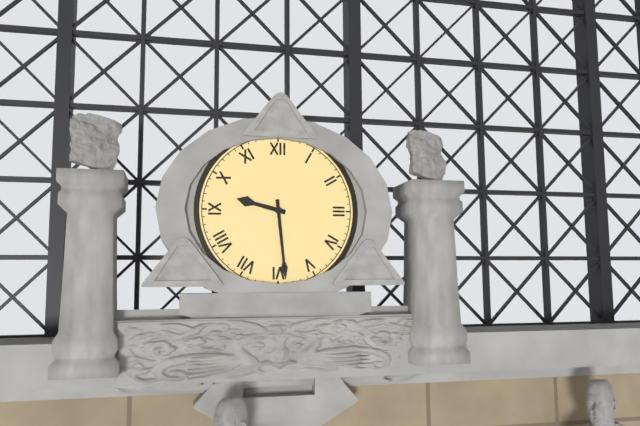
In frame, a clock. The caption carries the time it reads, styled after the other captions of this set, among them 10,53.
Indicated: 9,29
